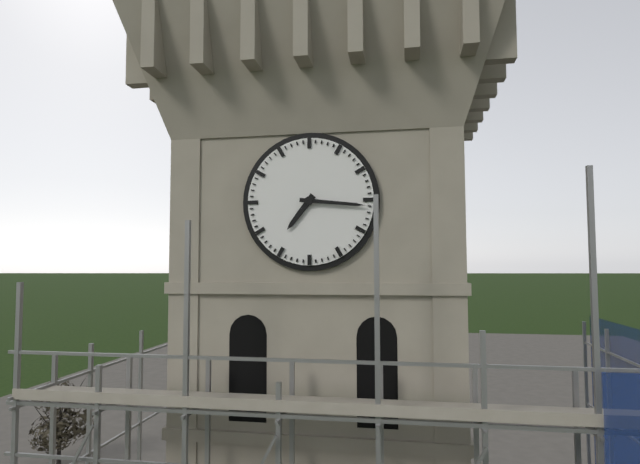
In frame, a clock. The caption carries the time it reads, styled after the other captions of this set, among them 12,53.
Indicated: 7,16
